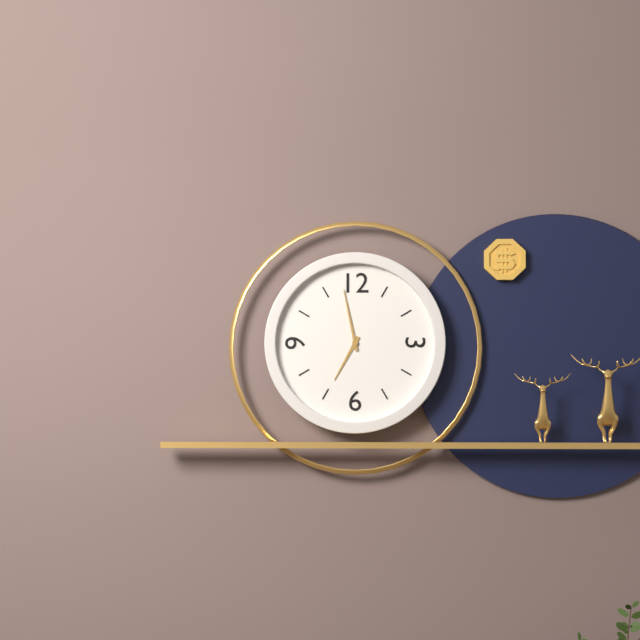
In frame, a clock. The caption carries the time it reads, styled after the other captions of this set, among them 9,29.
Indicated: 6,58
